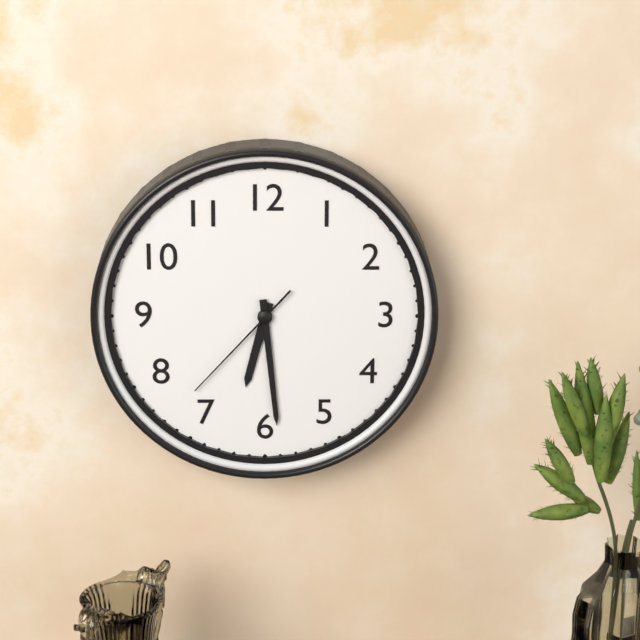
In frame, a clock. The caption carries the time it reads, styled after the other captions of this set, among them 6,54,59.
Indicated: 6,29,37
